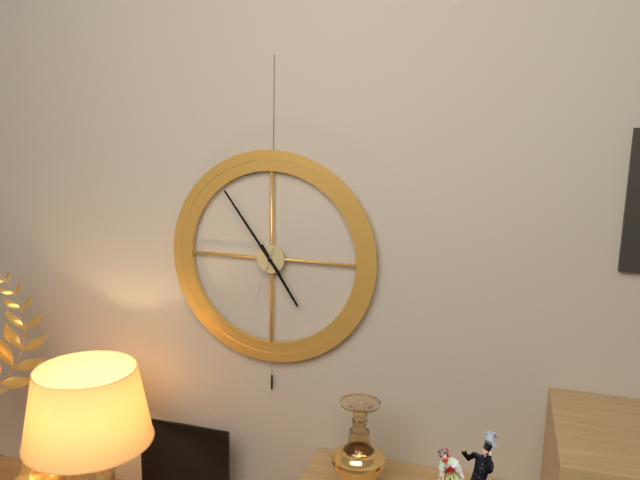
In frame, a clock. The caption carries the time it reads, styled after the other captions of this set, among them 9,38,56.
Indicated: 4,54,33
